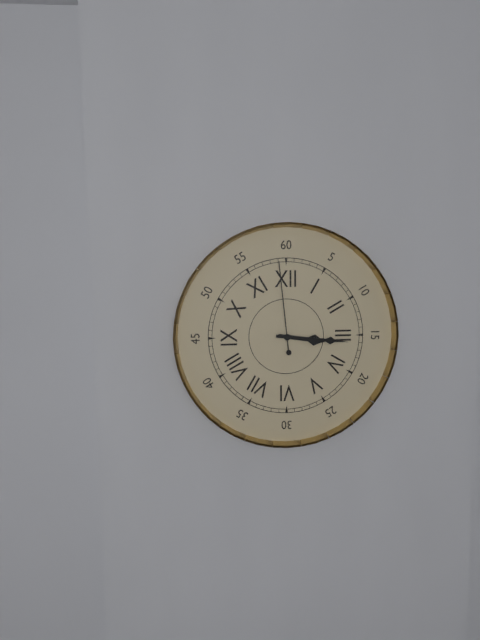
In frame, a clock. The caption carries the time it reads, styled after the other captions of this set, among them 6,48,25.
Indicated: 3,16,59
